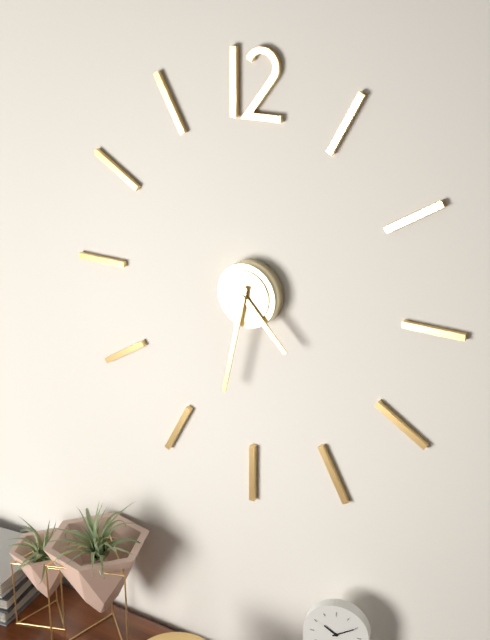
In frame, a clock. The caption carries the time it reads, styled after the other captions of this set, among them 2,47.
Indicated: 4,32
